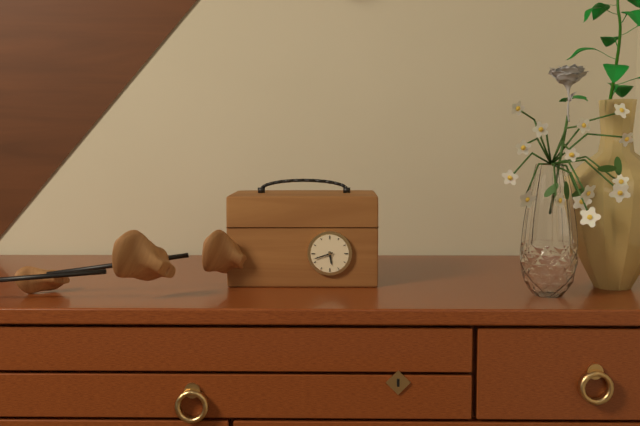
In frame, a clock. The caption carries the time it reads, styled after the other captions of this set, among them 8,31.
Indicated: 5,42
